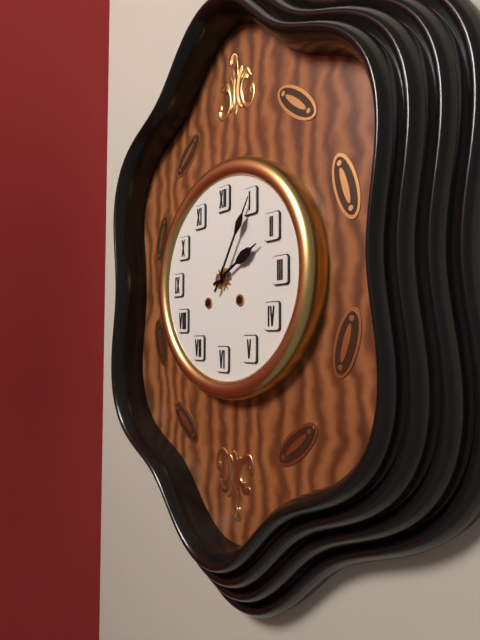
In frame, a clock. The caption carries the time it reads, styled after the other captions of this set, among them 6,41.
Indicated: 2,05
